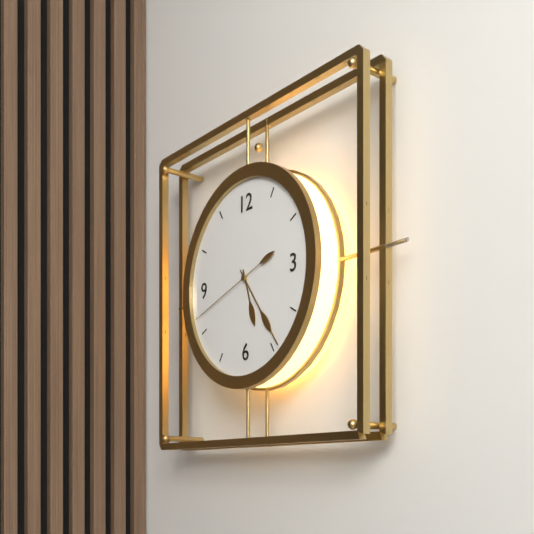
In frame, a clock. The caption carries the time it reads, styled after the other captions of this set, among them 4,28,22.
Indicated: 5,24,42
